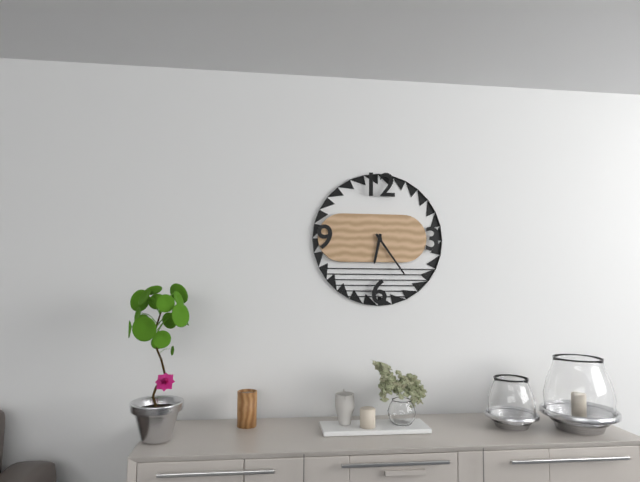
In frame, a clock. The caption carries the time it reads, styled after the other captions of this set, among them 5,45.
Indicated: 6,24
